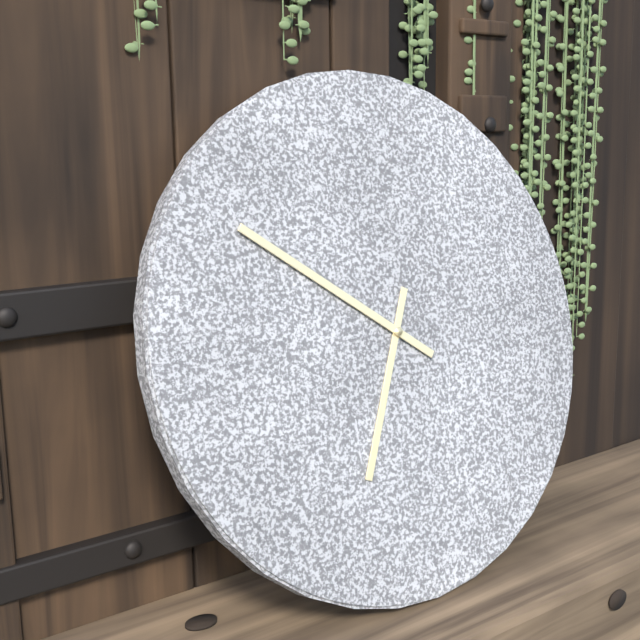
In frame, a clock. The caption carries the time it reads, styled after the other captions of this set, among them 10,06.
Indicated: 6,51
